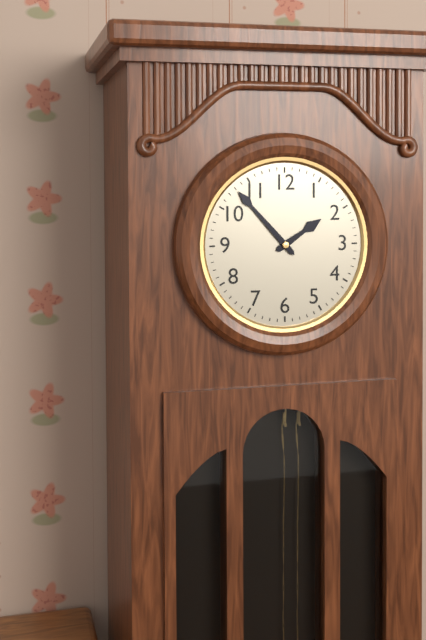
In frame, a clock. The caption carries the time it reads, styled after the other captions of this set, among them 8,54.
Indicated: 1,53
